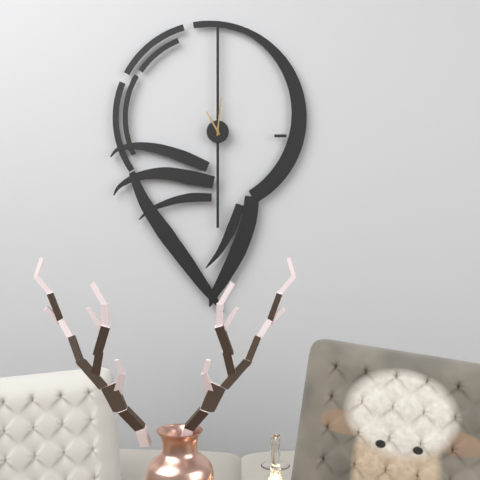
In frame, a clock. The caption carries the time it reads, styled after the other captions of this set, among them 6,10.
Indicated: 11,01
